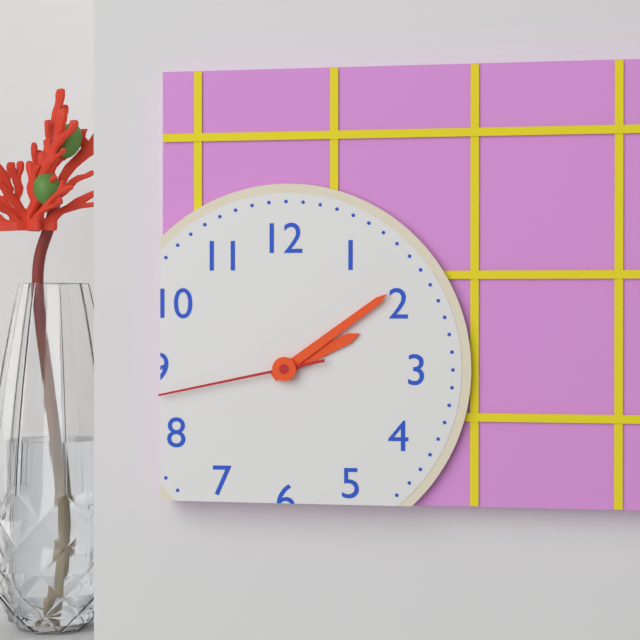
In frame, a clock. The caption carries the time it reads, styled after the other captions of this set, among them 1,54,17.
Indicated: 2,09,43
